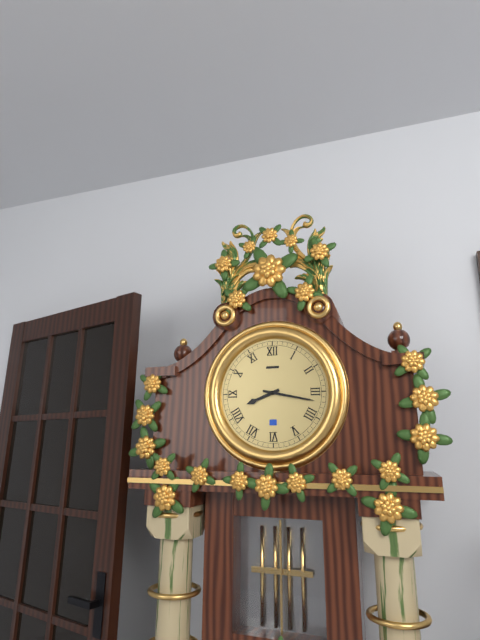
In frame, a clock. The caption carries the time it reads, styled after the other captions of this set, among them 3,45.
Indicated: 8,17
